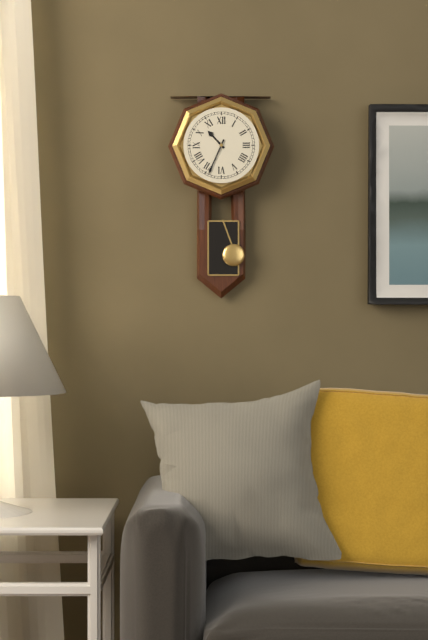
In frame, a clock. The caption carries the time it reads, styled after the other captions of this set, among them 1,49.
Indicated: 10,34
